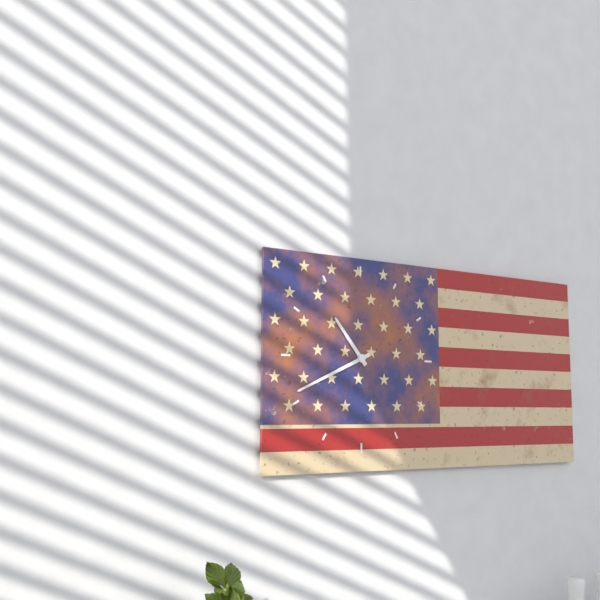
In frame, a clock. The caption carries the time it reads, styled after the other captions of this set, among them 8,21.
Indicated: 10,41
